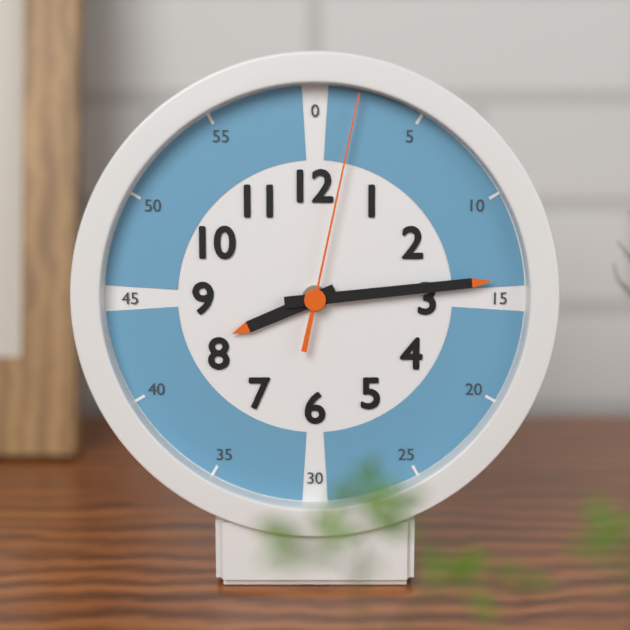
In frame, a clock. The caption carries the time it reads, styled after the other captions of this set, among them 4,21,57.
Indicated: 8,14,02
